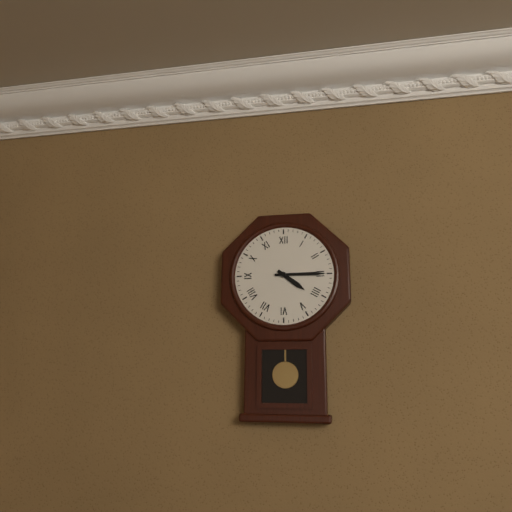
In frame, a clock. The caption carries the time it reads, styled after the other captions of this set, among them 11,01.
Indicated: 4,15
